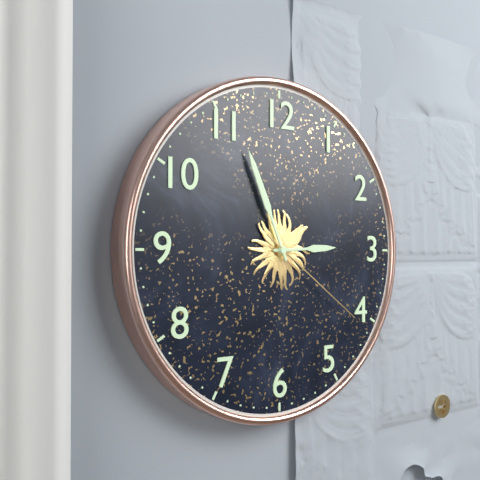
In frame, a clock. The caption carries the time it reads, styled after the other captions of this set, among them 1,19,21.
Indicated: 2,56,21
